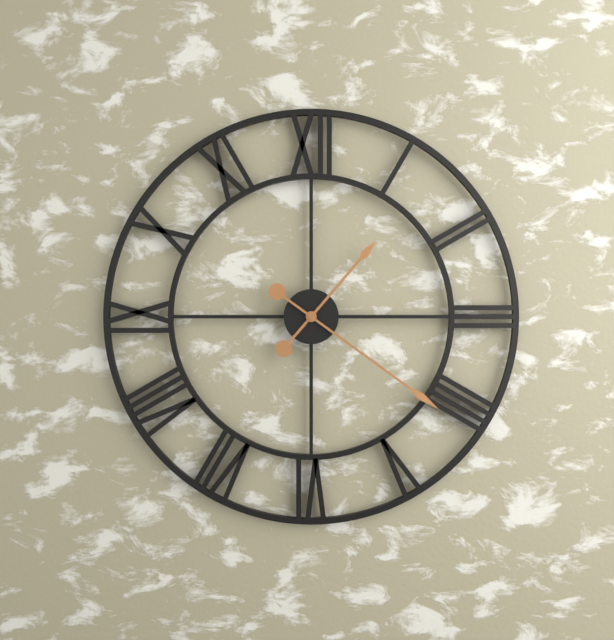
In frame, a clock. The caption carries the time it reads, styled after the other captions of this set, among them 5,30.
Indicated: 1,21
